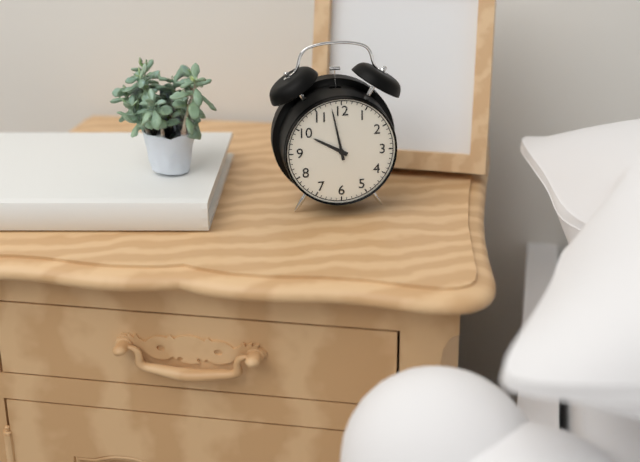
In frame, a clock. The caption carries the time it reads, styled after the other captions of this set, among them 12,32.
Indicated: 9,58
